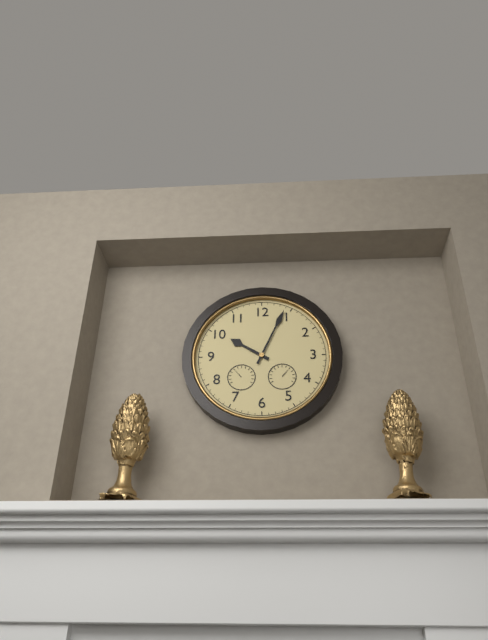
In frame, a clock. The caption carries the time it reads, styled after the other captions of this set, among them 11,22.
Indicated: 10,04
